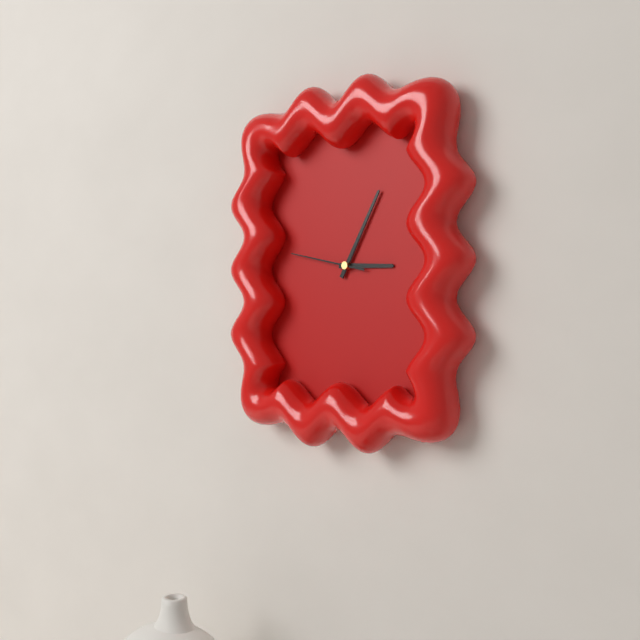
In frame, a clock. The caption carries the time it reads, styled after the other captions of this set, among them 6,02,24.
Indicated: 3,05,47
